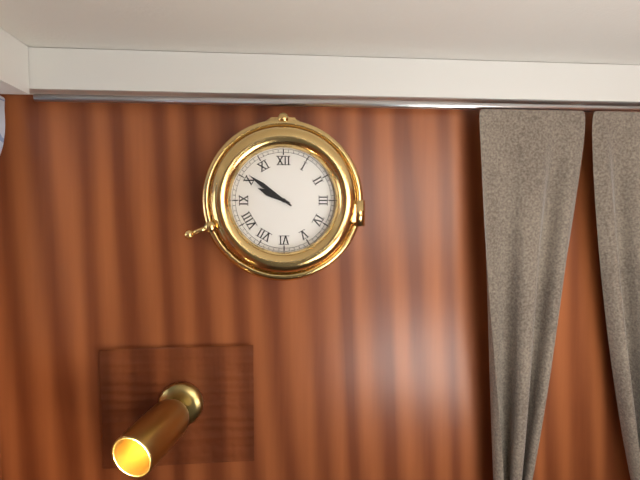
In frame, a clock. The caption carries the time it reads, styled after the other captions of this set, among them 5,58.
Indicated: 9,51
